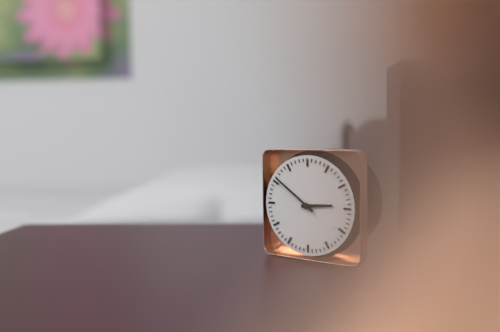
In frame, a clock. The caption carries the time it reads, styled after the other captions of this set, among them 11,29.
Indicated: 2,51
